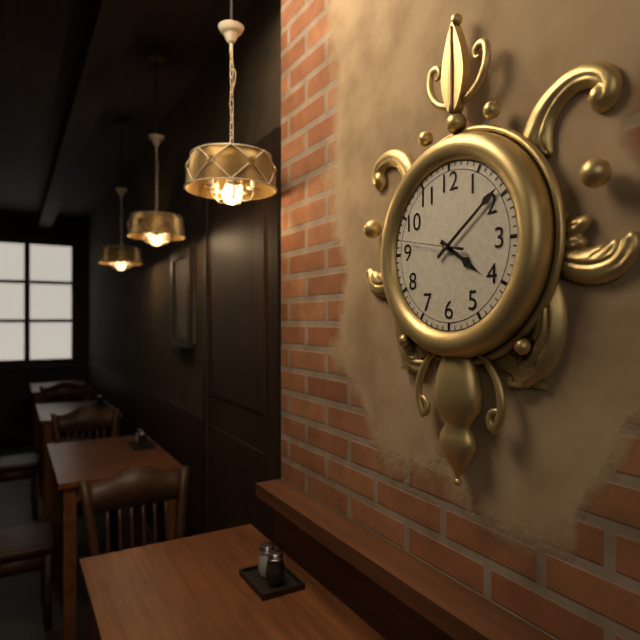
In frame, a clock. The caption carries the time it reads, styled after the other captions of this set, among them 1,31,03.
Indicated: 4,09,47
